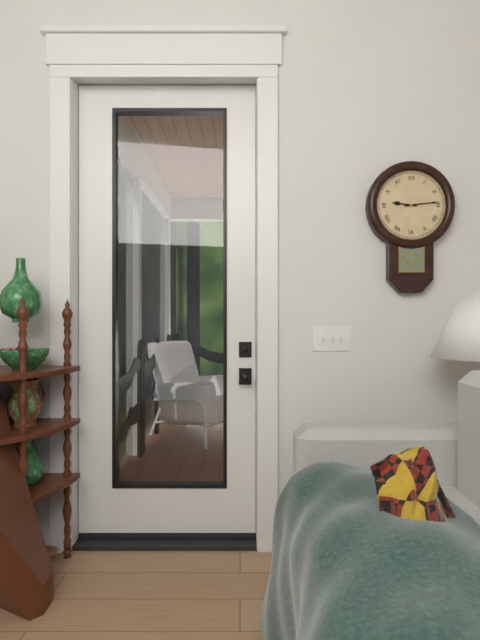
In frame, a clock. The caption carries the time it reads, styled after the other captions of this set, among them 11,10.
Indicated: 9,14
